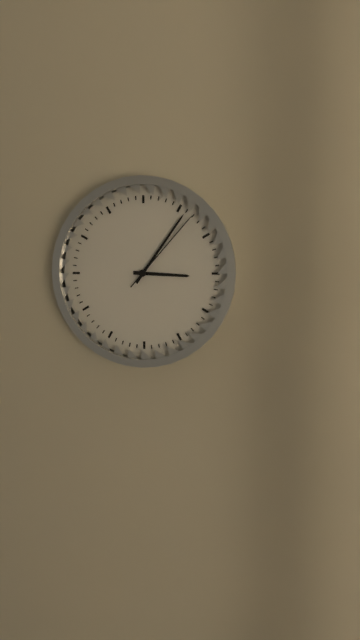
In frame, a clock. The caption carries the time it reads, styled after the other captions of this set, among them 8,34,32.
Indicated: 3,06,07
